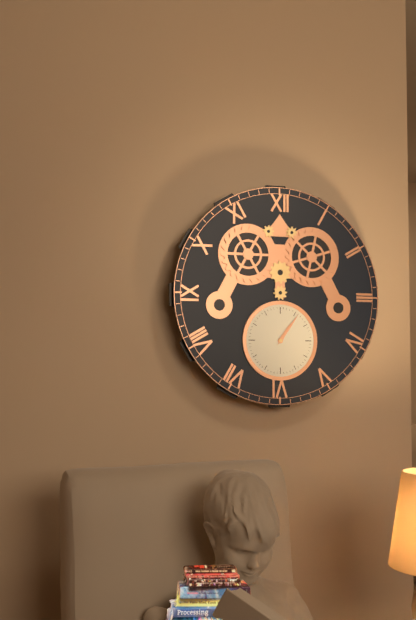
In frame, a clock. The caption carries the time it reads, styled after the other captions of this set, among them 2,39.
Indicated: 1,06
